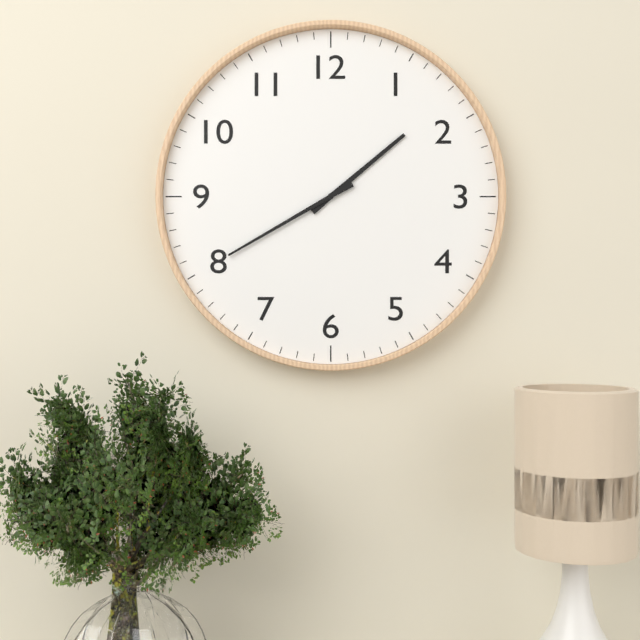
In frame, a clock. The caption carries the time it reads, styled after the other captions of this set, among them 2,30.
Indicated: 1,40
